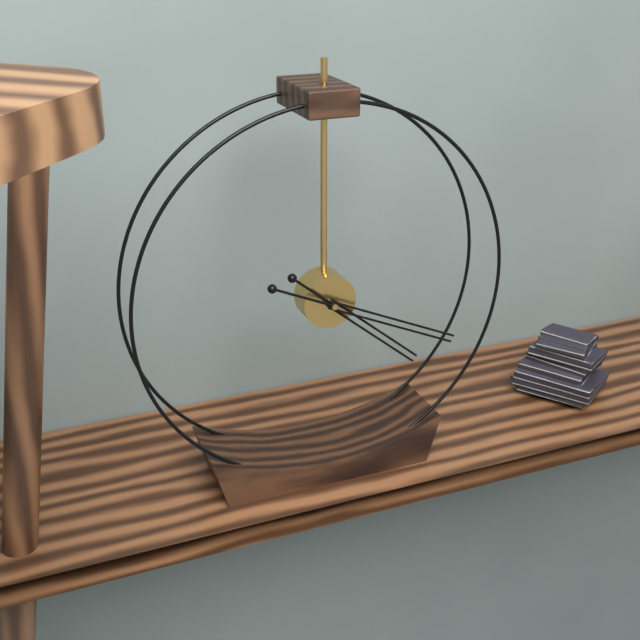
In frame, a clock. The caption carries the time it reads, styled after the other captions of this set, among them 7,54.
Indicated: 4,19
